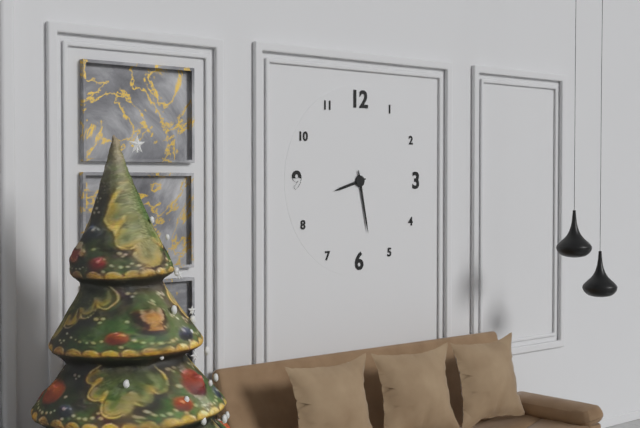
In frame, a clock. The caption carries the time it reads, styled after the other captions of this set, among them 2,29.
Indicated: 8,28
